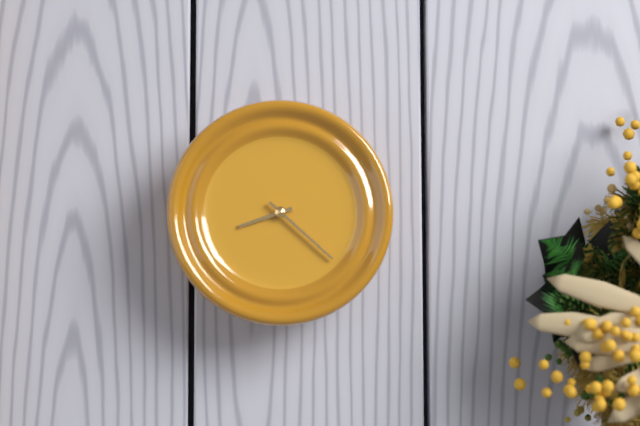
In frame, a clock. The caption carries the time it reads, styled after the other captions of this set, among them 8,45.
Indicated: 8,22
